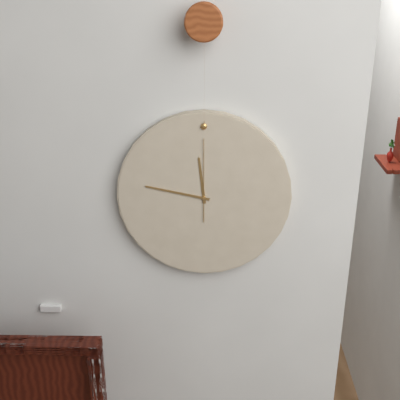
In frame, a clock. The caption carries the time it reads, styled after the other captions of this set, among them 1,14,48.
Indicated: 11,47,00
